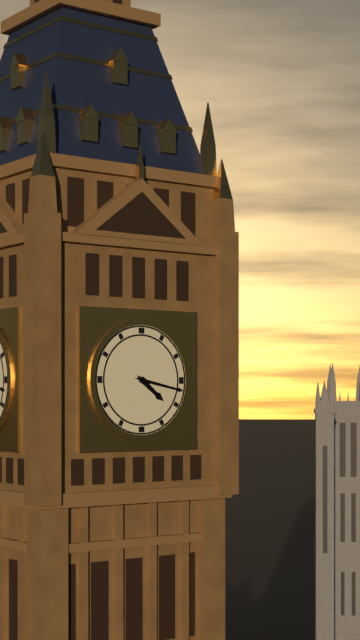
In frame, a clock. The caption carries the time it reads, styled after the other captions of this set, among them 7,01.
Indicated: 4,17
